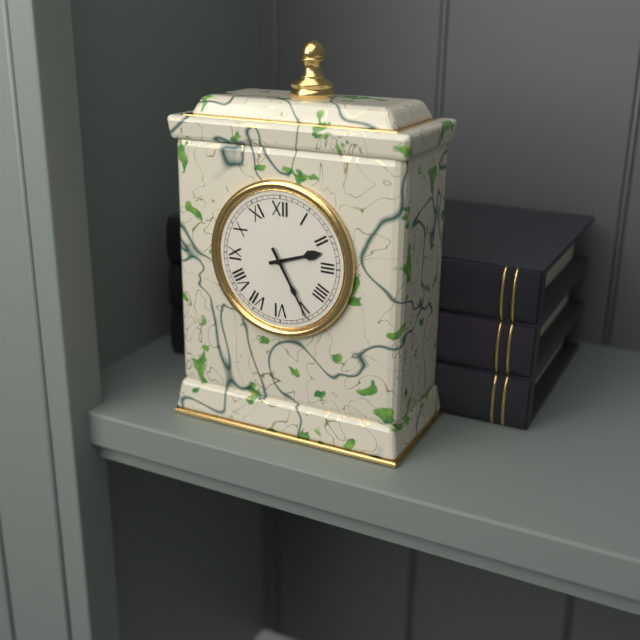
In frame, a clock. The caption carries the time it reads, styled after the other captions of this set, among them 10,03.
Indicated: 2,25
